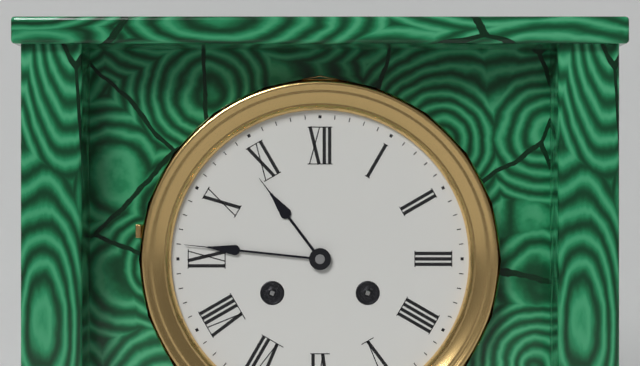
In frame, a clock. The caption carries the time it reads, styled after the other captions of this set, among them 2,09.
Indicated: 10,46
